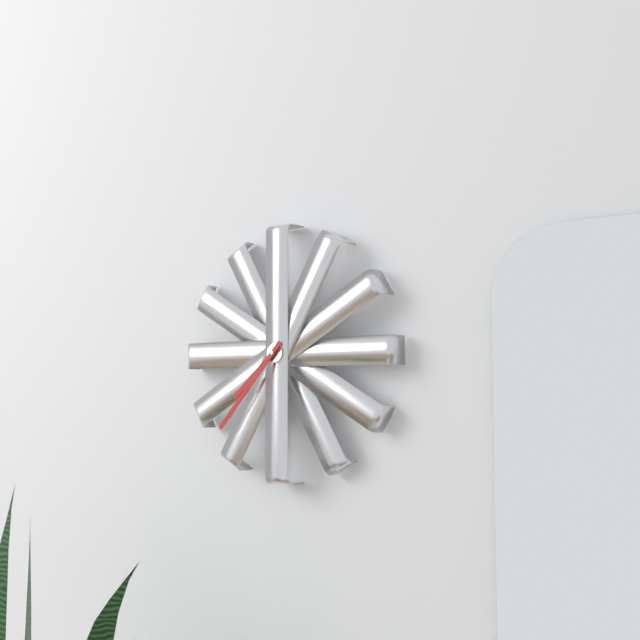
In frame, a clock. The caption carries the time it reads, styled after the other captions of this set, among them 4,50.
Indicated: 7,37
